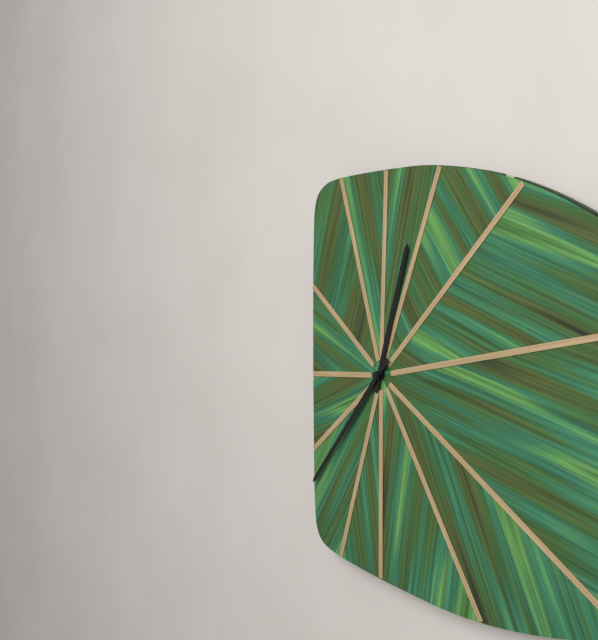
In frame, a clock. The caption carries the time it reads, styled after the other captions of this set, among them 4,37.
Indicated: 12,37
